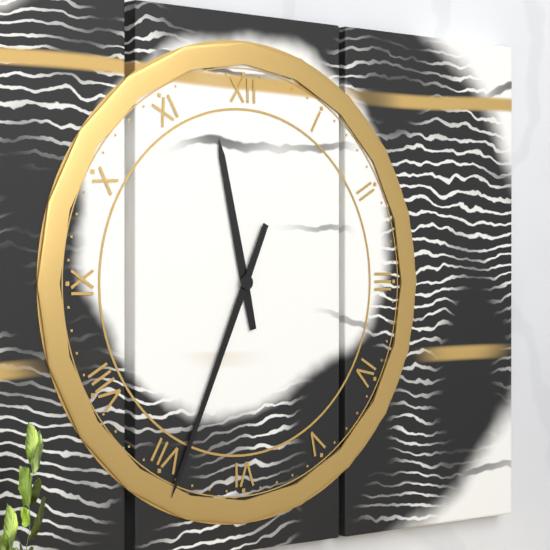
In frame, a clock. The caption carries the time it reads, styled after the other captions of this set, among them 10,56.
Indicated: 11,34
